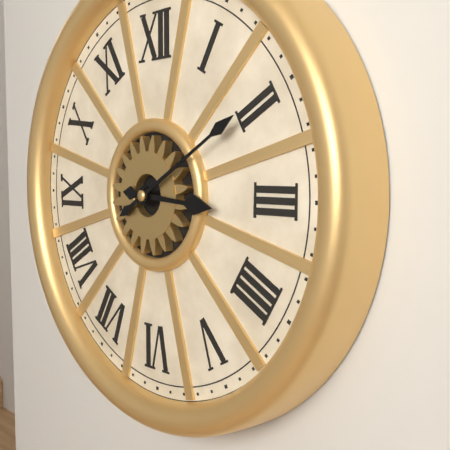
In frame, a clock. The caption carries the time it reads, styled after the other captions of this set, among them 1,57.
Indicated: 3,10
